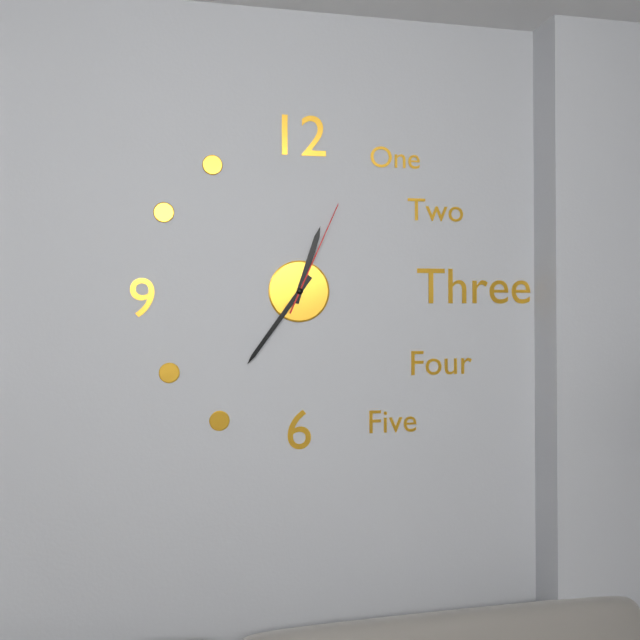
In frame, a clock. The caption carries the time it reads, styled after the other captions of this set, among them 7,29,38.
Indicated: 12,36,04
